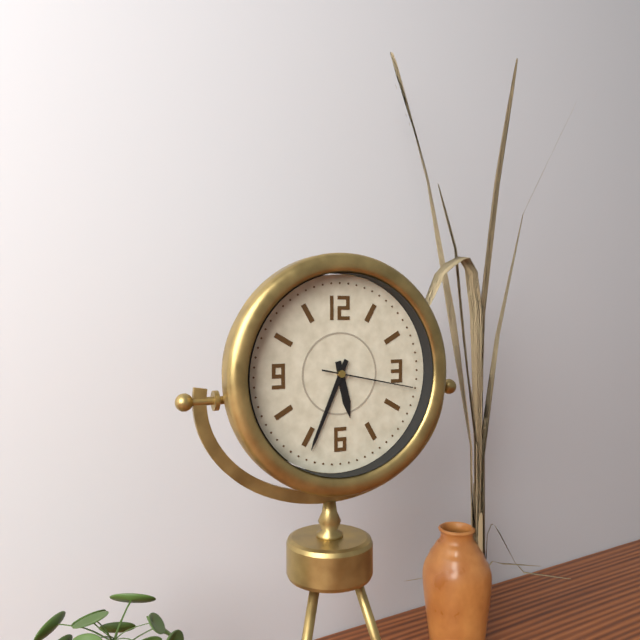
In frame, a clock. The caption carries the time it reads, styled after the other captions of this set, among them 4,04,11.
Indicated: 5,34,17
